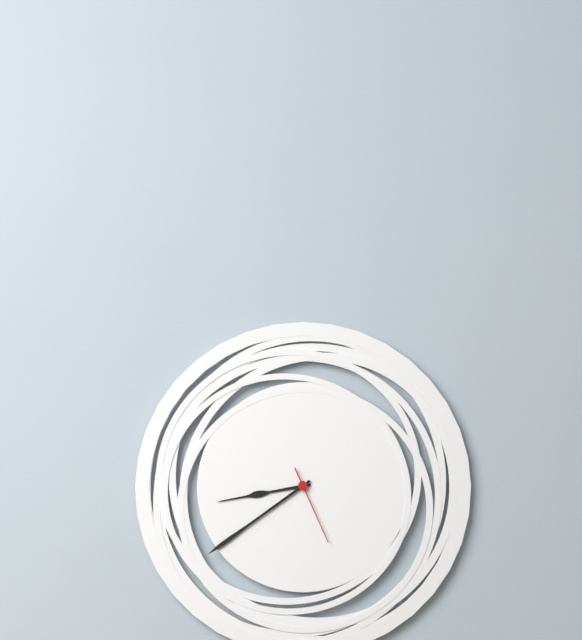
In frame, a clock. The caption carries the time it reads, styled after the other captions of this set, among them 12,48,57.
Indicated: 8,39,26
